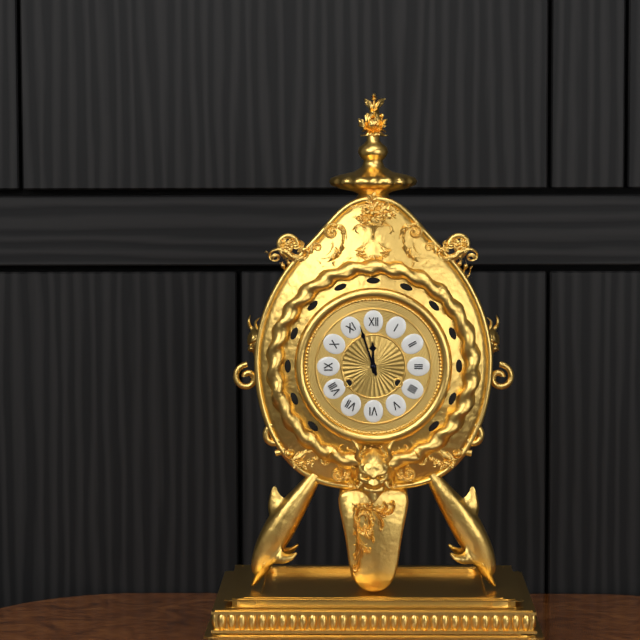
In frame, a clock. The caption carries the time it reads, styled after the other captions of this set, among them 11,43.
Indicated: 11,57
